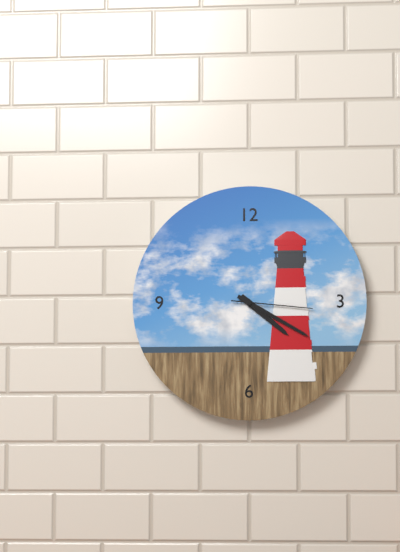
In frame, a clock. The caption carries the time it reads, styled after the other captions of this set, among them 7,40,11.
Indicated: 4,20,16
